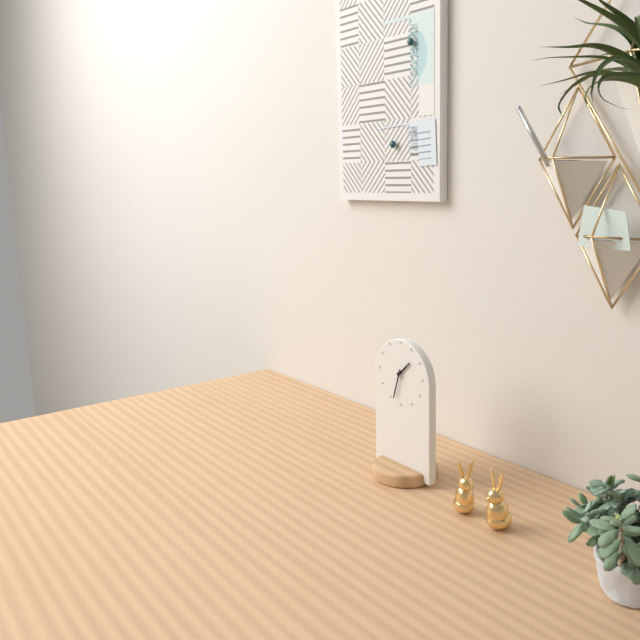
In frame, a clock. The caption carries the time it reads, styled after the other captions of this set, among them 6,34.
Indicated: 1,33
